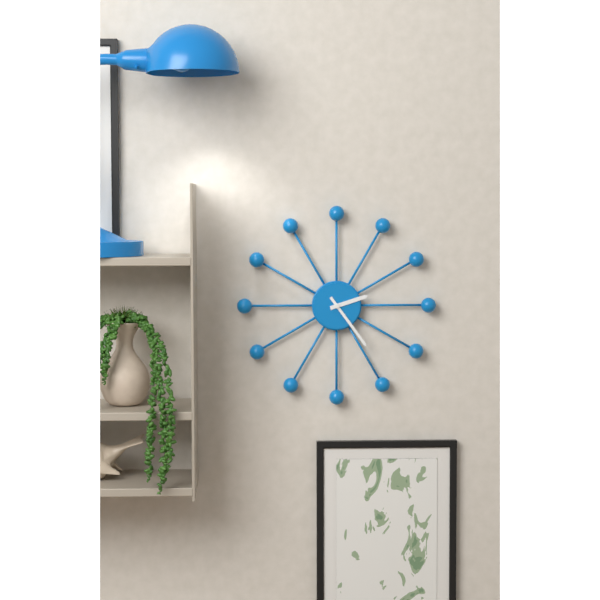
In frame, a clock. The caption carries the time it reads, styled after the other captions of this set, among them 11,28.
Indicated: 2,24
